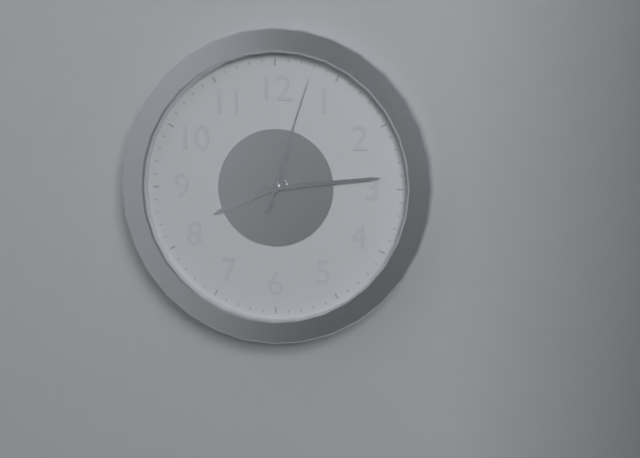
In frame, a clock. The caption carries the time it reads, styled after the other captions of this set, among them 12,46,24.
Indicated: 8,14,03
